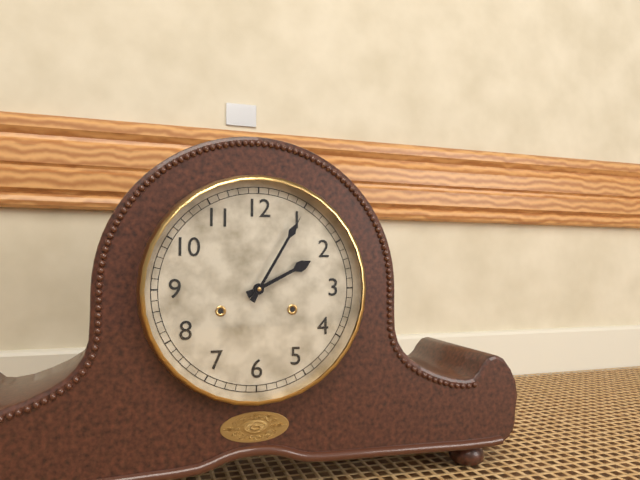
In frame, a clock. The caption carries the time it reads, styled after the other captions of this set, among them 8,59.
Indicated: 2,05
